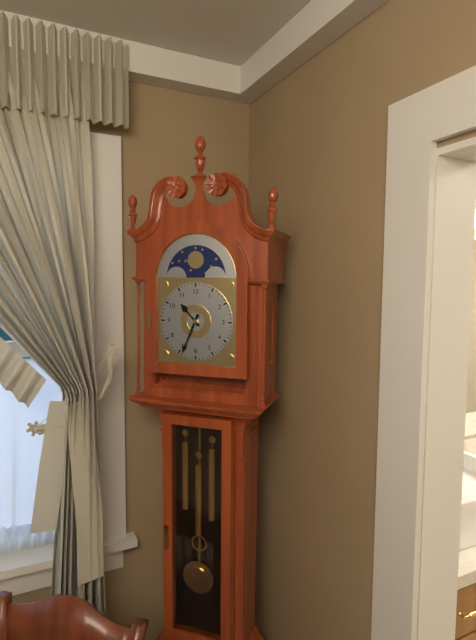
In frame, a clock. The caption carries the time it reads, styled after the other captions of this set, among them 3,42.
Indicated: 10,34
